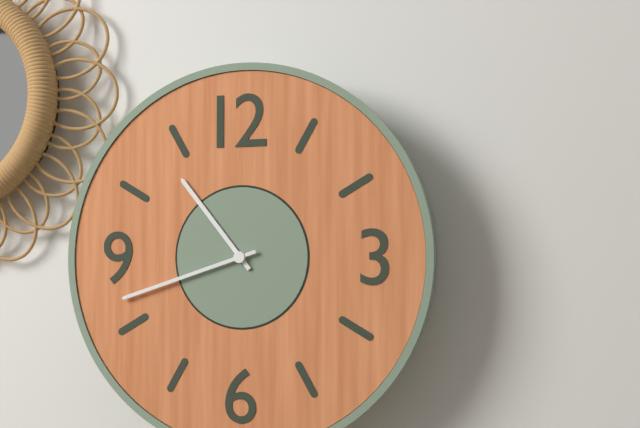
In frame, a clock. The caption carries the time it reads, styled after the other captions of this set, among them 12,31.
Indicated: 10,42
